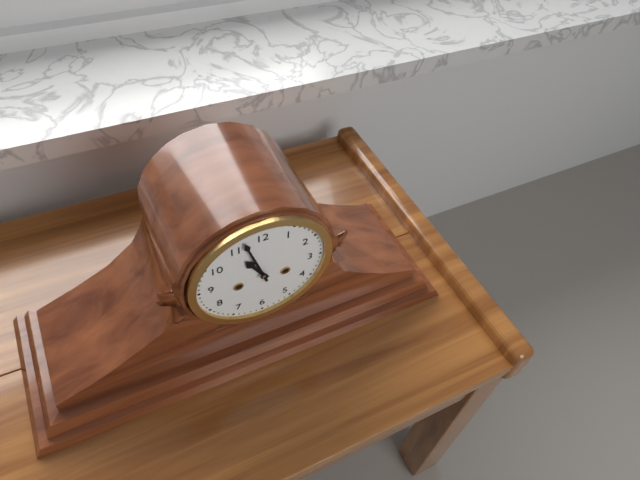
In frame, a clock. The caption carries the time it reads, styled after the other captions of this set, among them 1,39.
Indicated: 10,57
